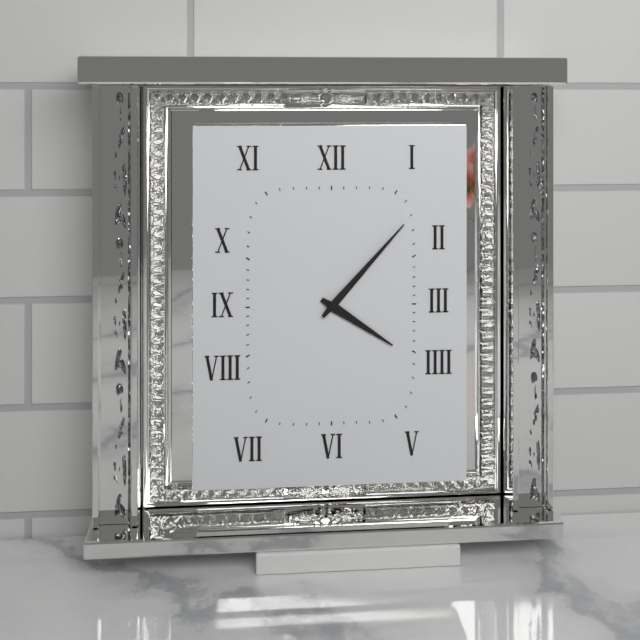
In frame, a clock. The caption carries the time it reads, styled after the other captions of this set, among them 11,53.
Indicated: 4,07
